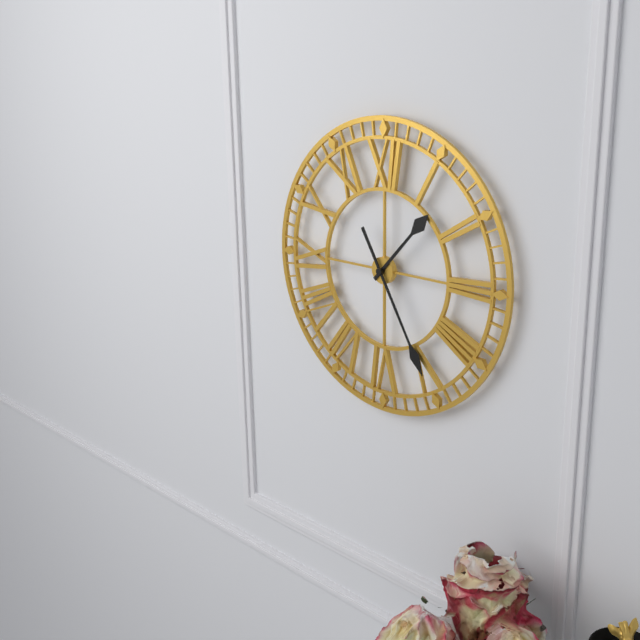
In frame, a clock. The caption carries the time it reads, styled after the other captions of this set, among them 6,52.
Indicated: 1,25
